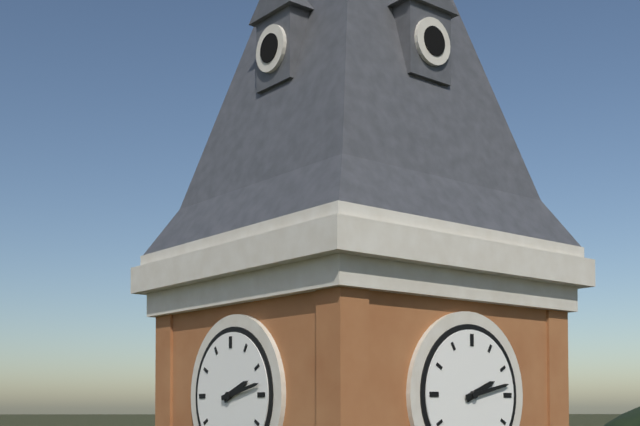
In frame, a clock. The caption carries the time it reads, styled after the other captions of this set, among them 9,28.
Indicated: 2,13
